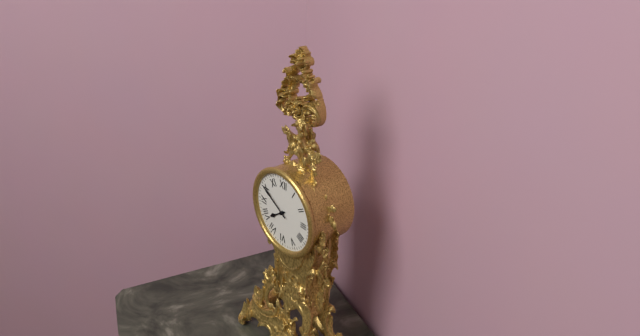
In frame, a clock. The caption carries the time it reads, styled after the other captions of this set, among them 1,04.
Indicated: 7,50
